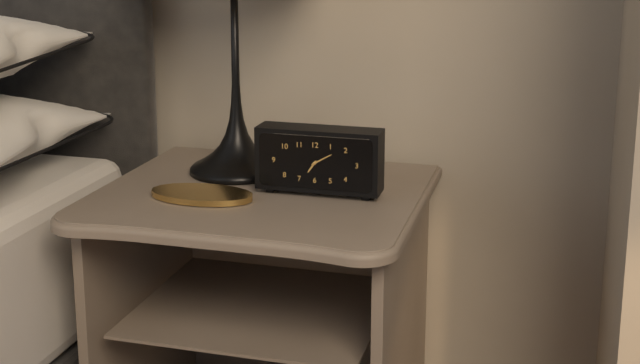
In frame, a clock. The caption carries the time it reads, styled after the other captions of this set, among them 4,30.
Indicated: 7,10
